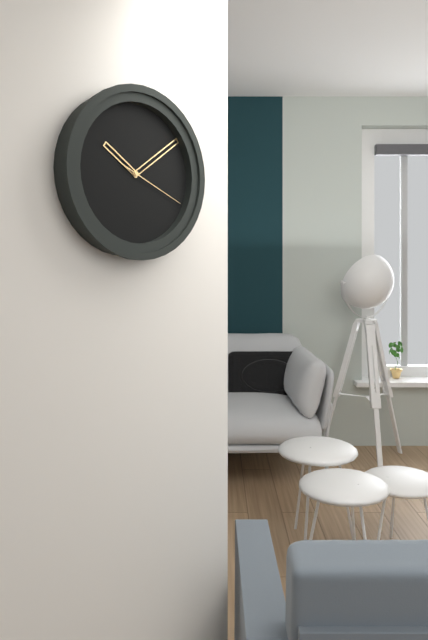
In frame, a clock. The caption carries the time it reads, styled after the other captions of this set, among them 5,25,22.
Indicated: 10,09,19
